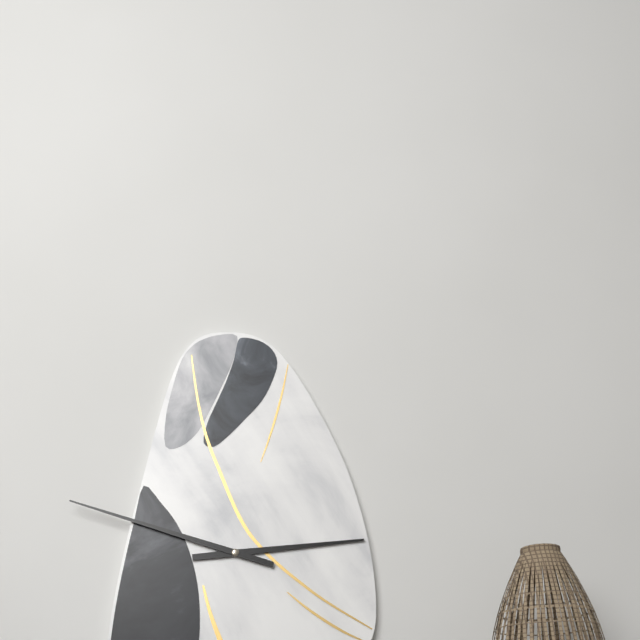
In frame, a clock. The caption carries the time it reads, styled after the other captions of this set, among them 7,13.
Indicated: 2,48
